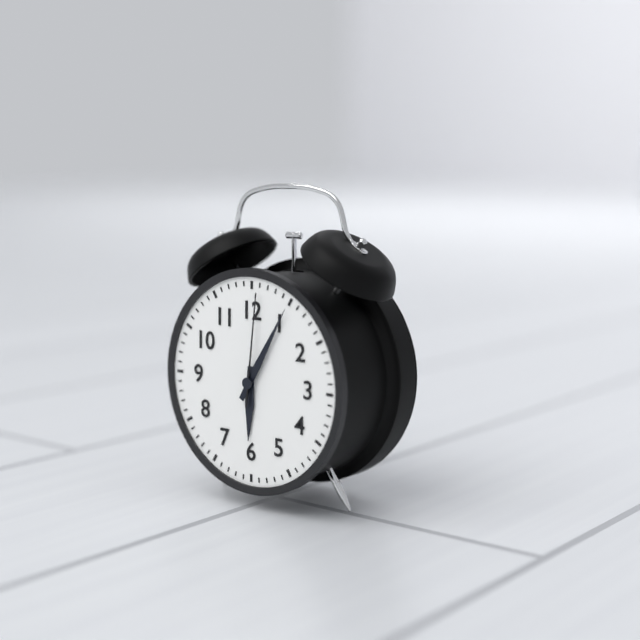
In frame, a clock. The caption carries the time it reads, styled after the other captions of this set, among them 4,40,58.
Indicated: 6,05,01
